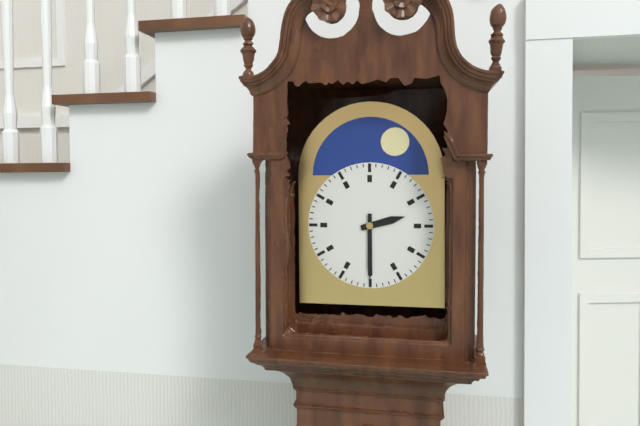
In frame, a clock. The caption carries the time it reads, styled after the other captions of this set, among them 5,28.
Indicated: 2,30
